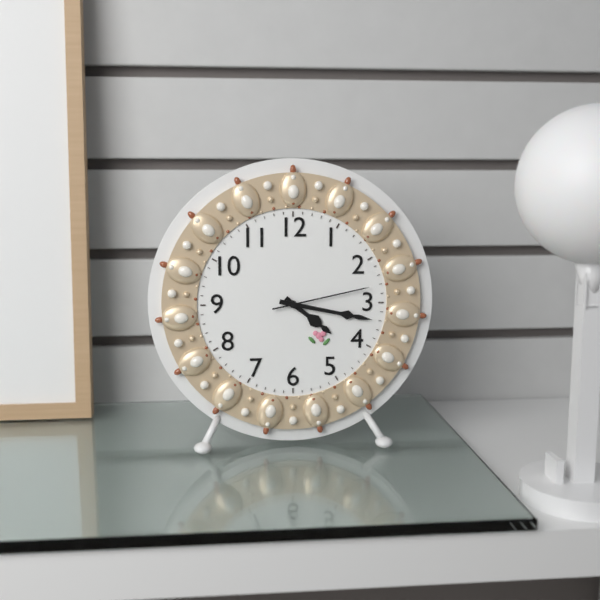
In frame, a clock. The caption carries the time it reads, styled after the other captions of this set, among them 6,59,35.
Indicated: 4,17,13
